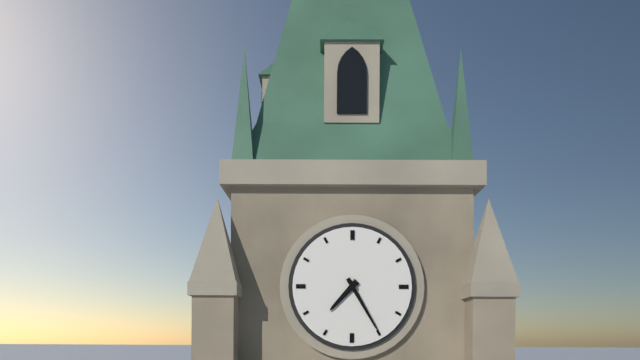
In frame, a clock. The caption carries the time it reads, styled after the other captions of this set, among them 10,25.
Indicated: 7,25
